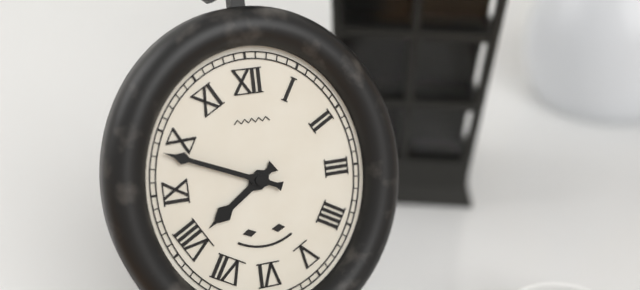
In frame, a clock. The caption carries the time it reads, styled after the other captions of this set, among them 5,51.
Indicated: 7,49
